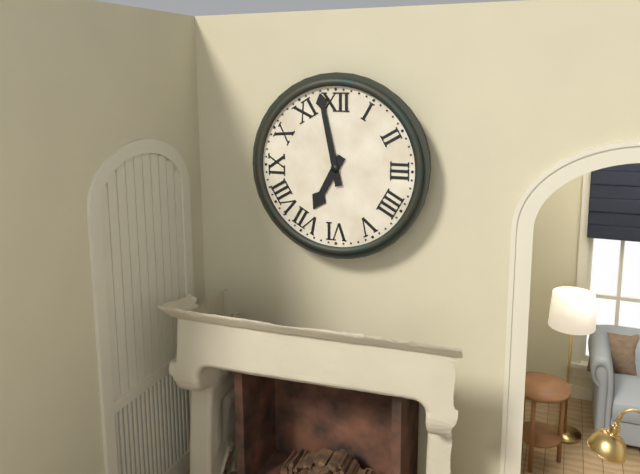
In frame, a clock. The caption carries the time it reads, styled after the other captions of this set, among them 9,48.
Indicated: 6,58
